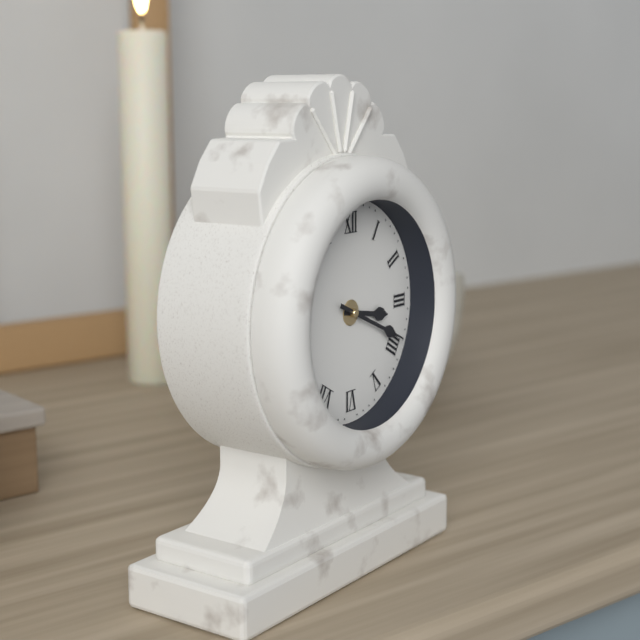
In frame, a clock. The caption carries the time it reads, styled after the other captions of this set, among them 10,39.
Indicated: 3,19
